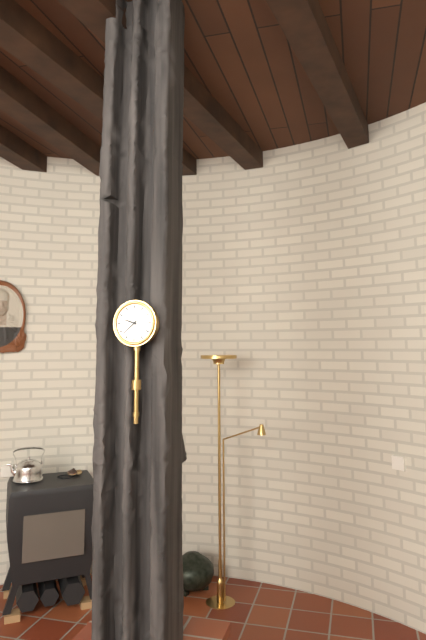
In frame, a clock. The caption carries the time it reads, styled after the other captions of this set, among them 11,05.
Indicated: 9,38
